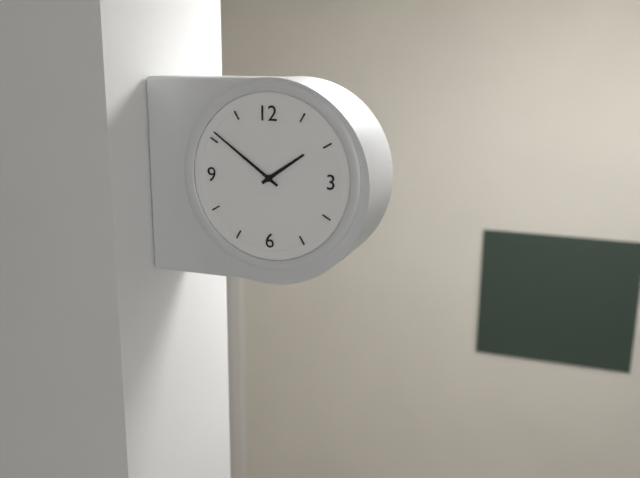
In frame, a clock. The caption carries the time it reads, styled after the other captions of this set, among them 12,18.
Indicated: 1,51
